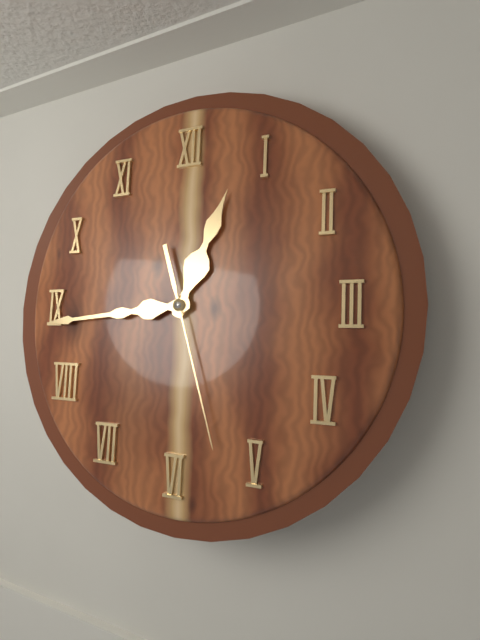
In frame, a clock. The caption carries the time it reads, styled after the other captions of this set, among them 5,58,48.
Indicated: 12,44,27
